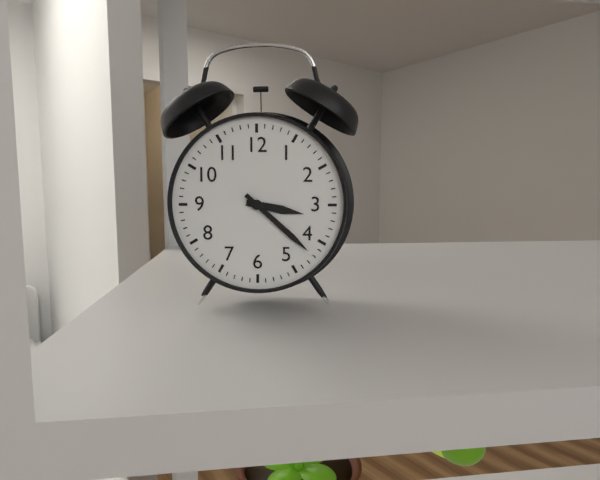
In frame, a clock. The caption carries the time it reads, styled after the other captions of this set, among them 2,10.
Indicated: 3,22
